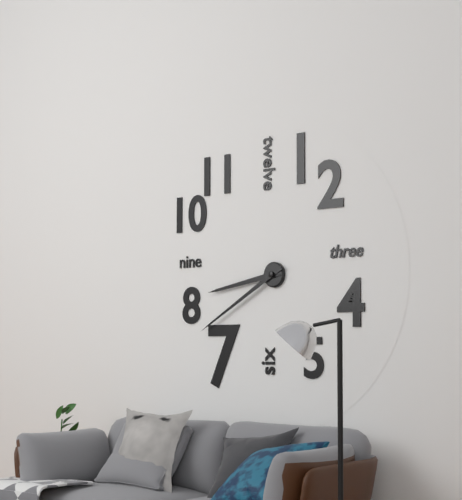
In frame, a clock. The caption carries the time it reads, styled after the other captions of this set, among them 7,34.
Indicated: 8,40
